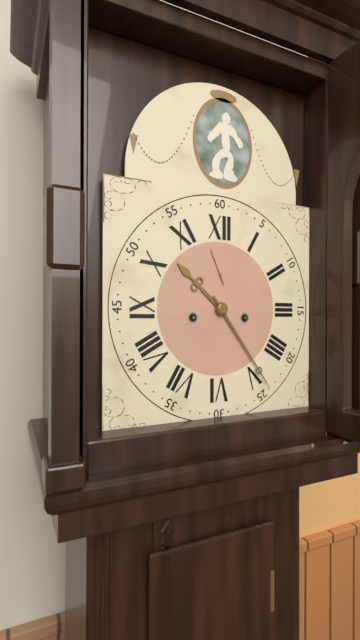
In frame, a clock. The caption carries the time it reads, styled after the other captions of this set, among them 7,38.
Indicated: 10,24
